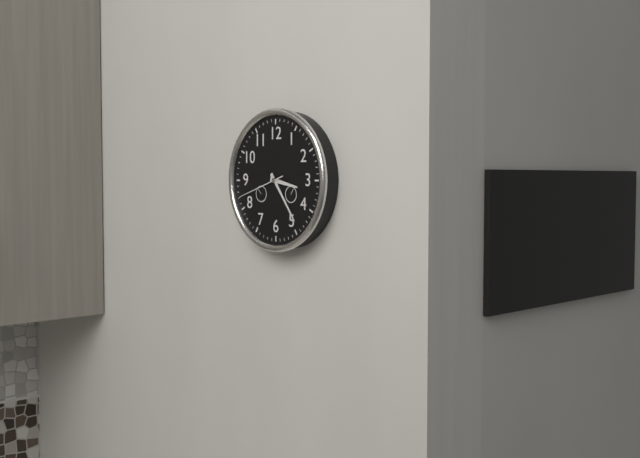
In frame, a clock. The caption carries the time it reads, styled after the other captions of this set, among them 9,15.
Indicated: 3,24
